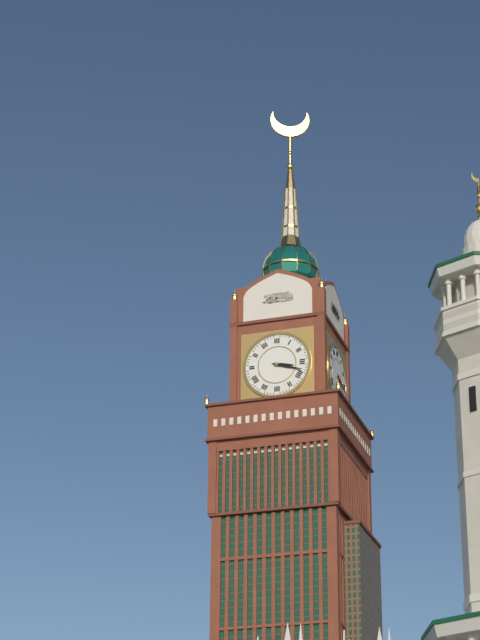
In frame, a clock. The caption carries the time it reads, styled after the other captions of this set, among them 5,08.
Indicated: 3,18
